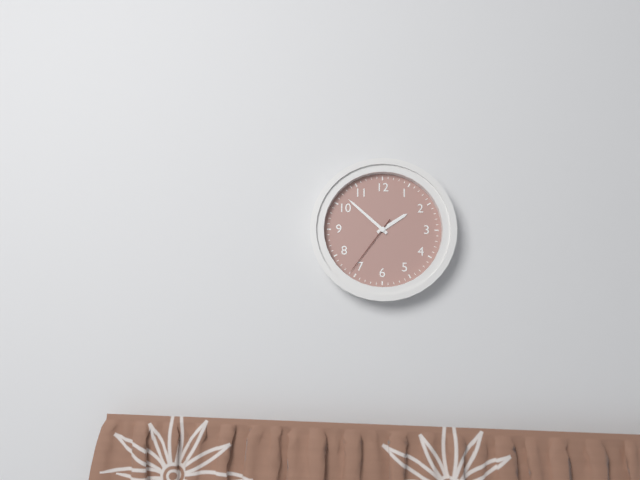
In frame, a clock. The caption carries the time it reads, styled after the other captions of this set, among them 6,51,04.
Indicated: 1,52,36
